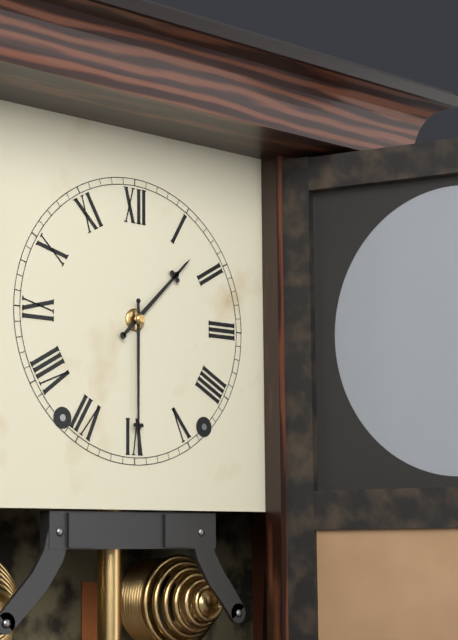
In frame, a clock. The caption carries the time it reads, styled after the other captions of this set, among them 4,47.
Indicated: 1,30
